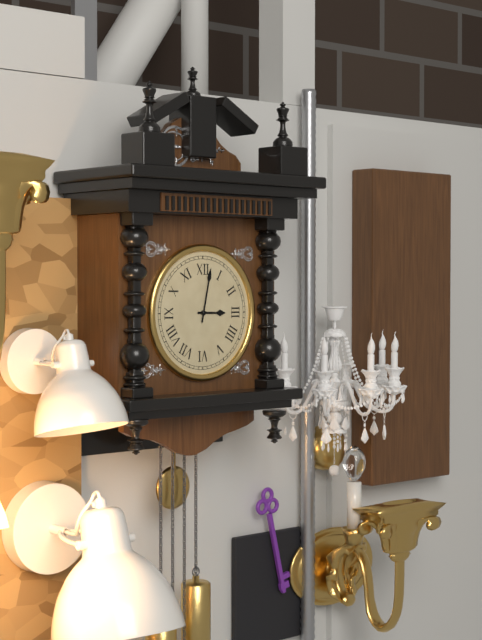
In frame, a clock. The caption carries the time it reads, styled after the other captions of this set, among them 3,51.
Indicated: 3,02
